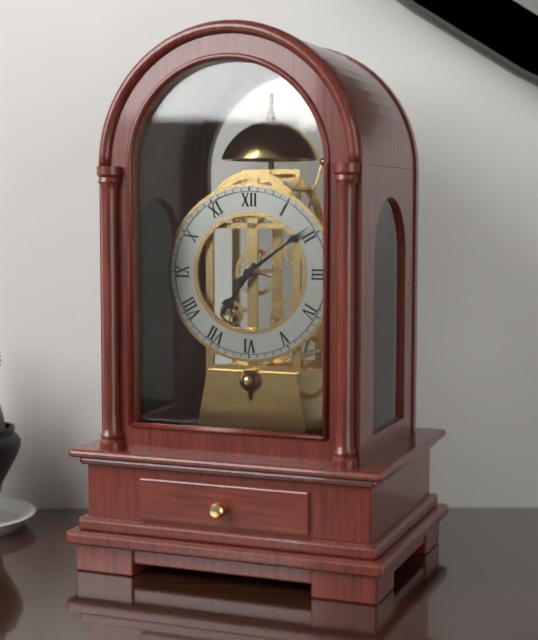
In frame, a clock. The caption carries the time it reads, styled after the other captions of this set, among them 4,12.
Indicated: 7,09
